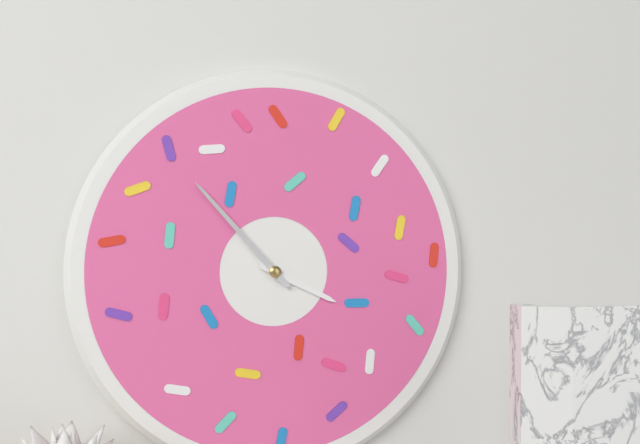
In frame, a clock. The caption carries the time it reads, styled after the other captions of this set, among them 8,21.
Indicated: 3,53
